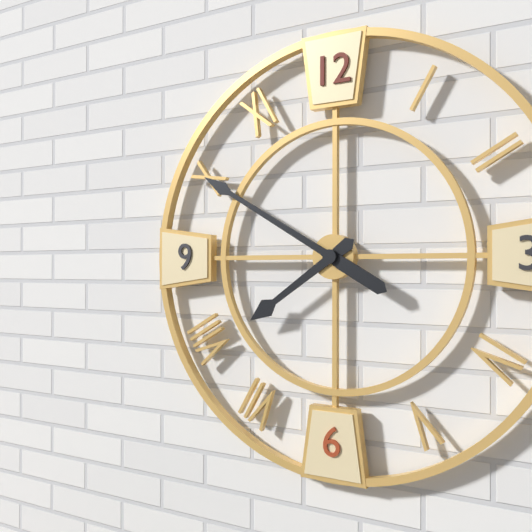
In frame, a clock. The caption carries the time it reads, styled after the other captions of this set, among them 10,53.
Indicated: 7,50
